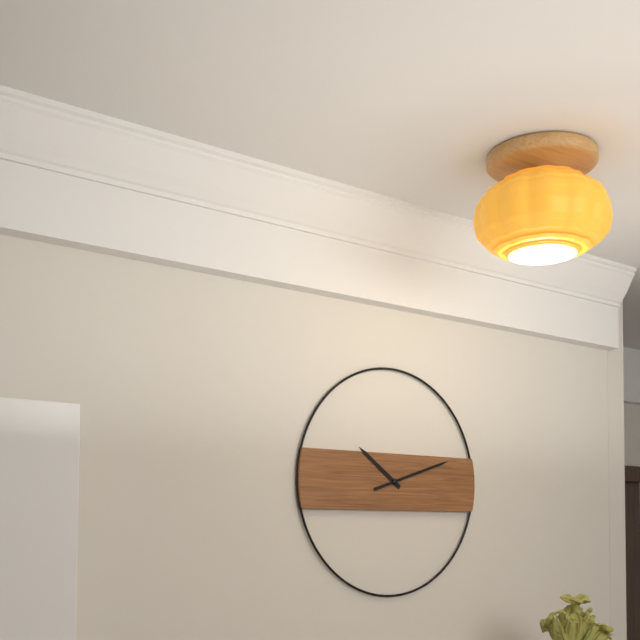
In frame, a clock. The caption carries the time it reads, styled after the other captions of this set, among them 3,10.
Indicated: 10,12
